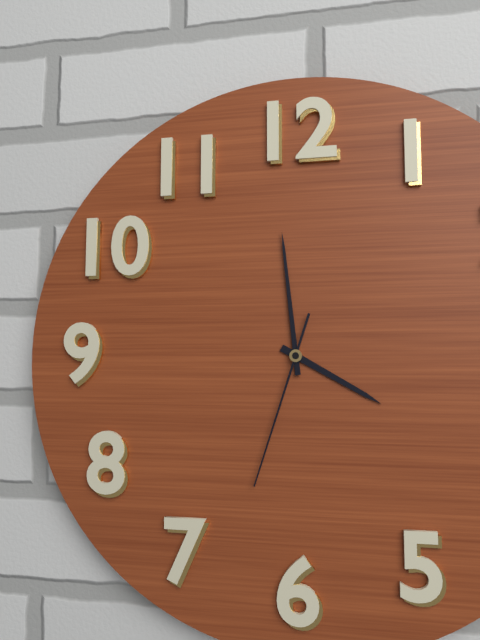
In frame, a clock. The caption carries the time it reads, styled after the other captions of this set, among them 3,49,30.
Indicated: 3,59,33
